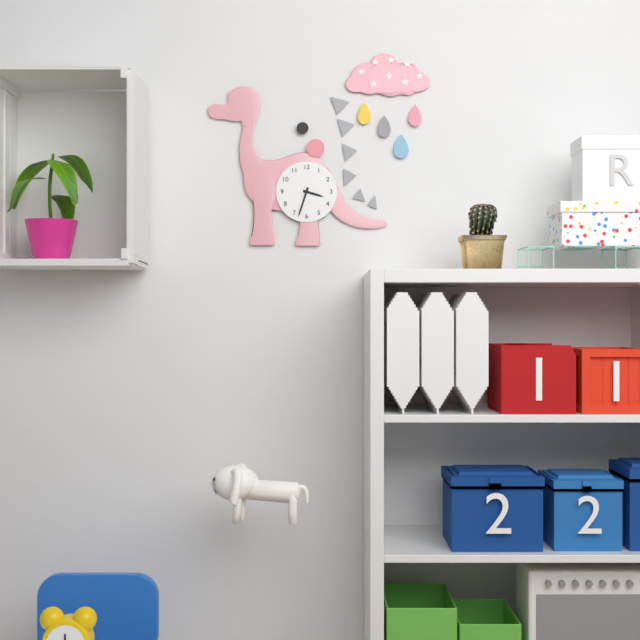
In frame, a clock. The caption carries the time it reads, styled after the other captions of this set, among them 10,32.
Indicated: 3,33
